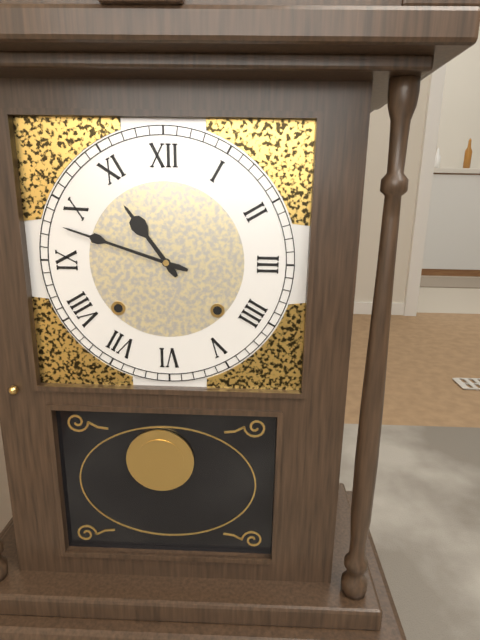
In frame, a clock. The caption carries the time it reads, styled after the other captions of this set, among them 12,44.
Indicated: 10,48
